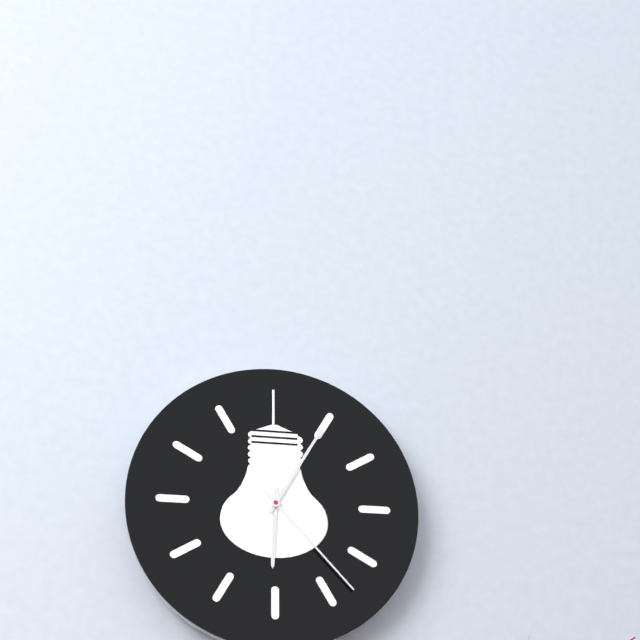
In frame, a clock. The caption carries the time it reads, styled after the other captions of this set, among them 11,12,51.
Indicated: 6,05,23
